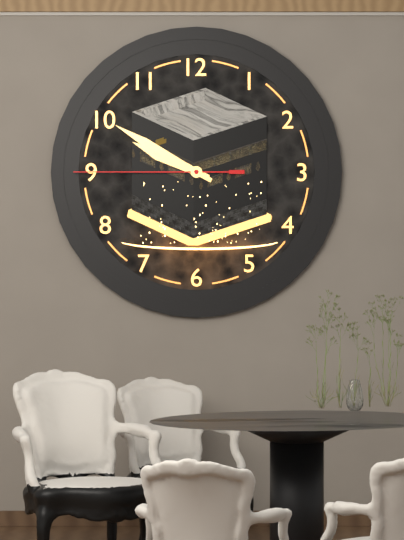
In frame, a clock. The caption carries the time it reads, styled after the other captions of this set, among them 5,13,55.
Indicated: 9,50,45
